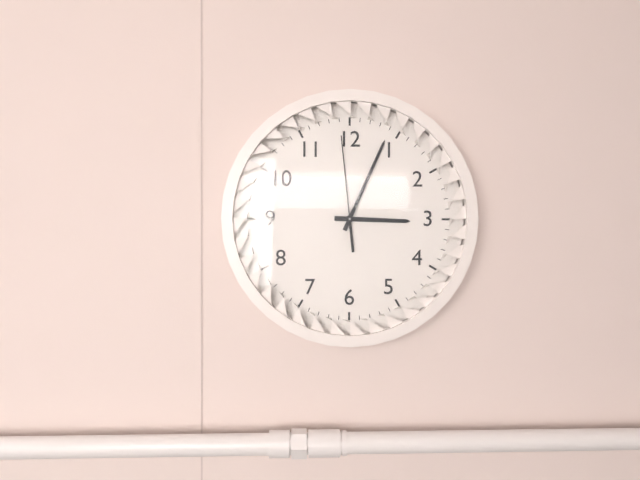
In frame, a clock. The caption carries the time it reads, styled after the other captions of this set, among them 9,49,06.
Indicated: 3,04,59
